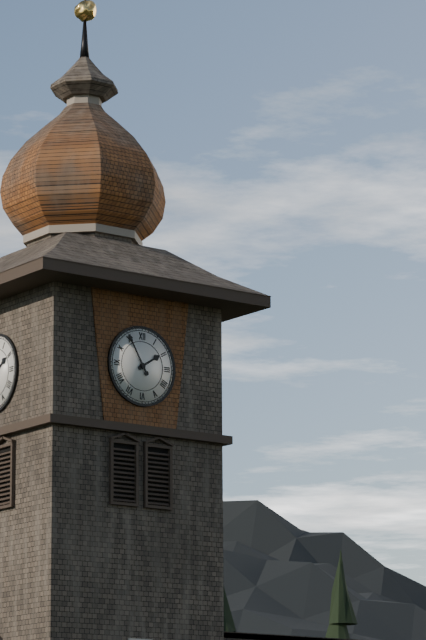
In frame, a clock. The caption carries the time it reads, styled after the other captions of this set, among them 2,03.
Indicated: 1,55
